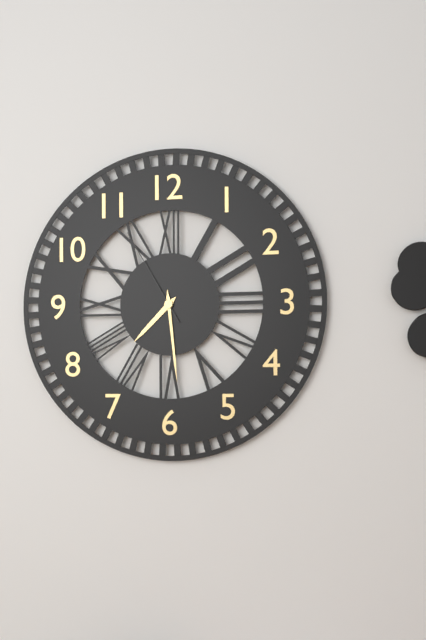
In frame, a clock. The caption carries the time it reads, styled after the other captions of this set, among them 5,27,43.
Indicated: 7,29,55
